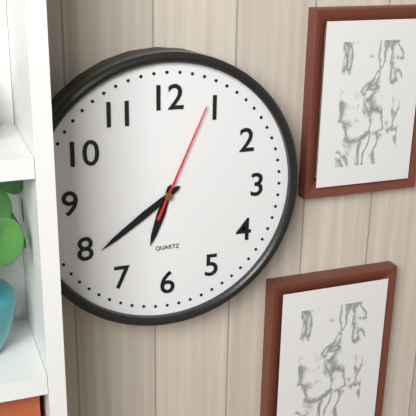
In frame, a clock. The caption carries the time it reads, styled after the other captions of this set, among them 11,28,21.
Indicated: 6,39,04
